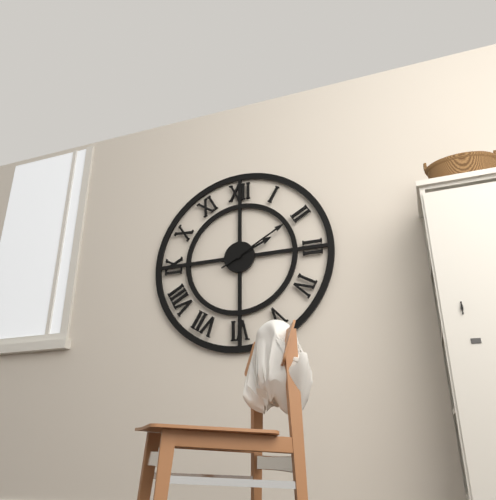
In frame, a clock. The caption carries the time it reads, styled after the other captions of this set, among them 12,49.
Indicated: 2,10
